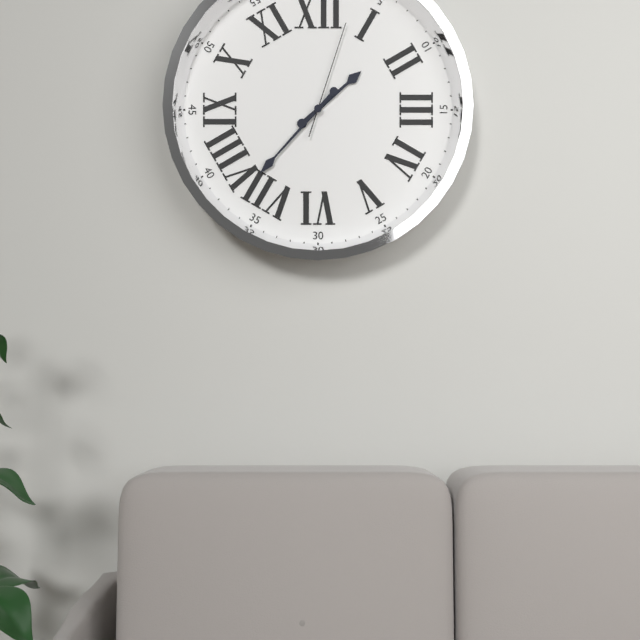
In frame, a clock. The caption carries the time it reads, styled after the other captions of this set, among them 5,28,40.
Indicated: 1,37,03
